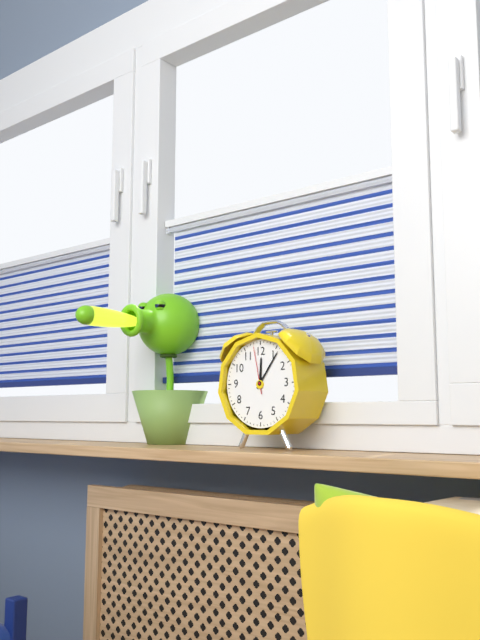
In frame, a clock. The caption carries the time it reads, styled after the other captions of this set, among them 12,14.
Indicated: 12,06
